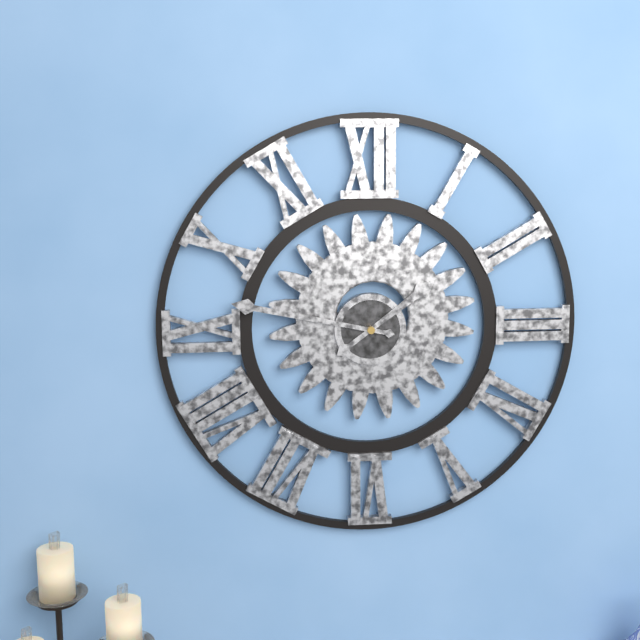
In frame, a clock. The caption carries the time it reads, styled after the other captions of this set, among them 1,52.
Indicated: 1,47
